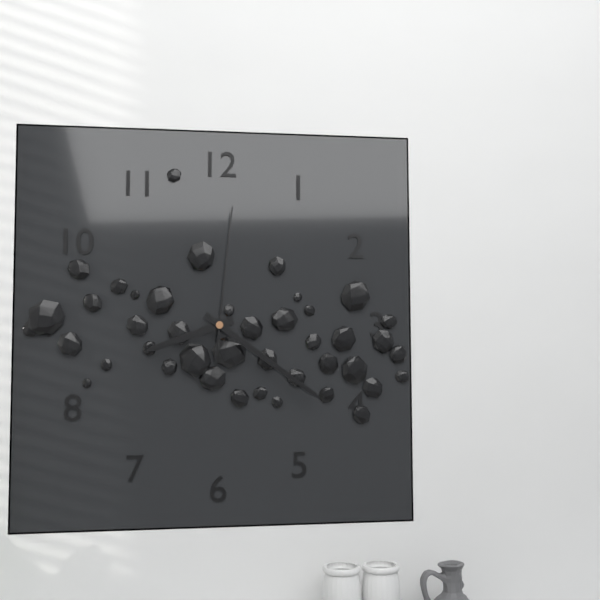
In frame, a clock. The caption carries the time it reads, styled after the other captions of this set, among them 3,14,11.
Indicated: 8,21,01
